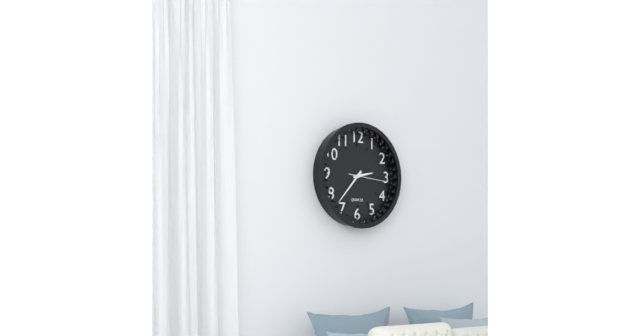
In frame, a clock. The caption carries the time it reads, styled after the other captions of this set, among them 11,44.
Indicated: 2,37
